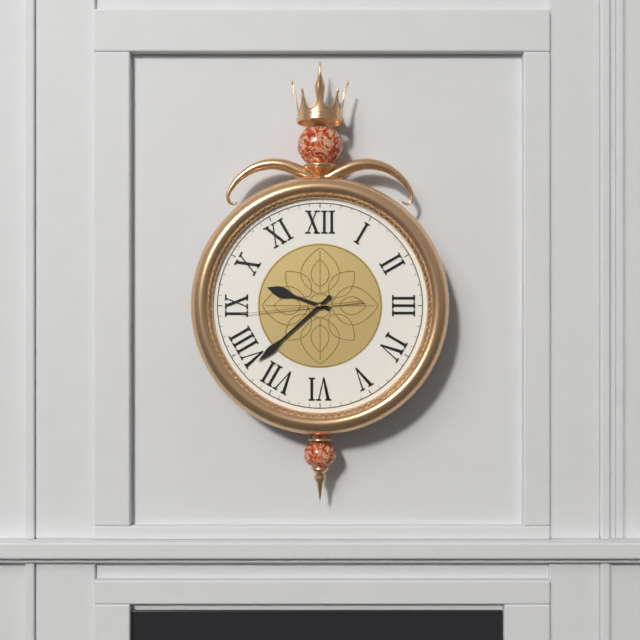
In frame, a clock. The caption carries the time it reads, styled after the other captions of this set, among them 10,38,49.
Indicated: 9,38,44
